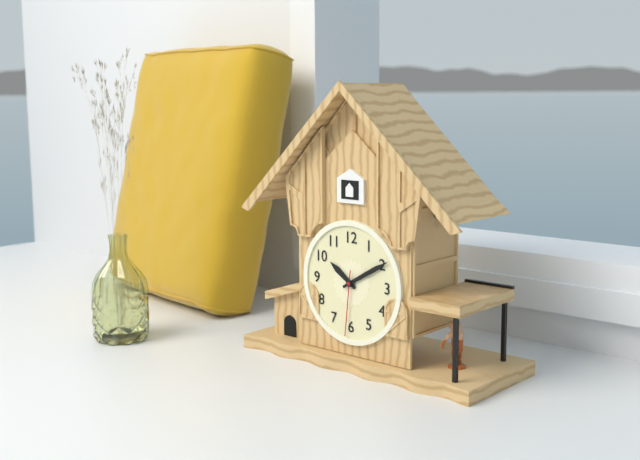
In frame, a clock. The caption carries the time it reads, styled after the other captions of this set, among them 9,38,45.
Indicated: 10,10,31
